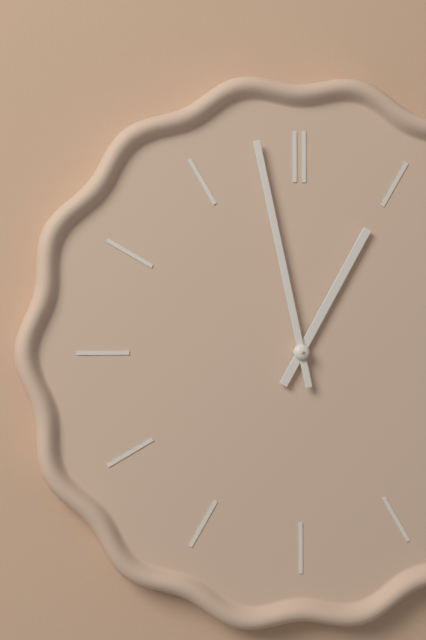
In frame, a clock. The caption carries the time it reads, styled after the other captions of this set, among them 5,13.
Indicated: 12,58
